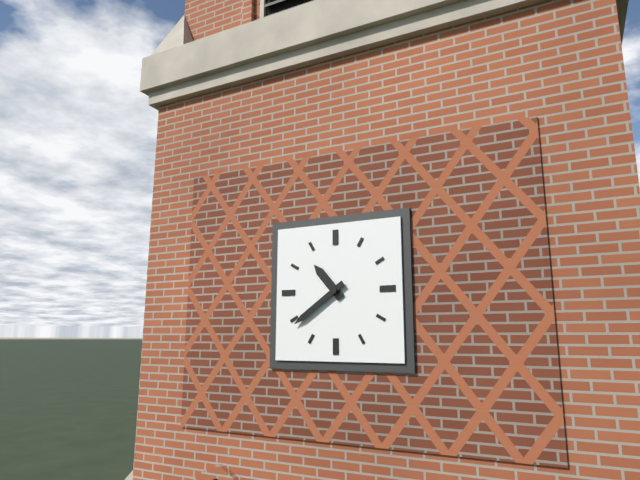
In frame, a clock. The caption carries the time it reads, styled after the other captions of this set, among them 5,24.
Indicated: 10,39
